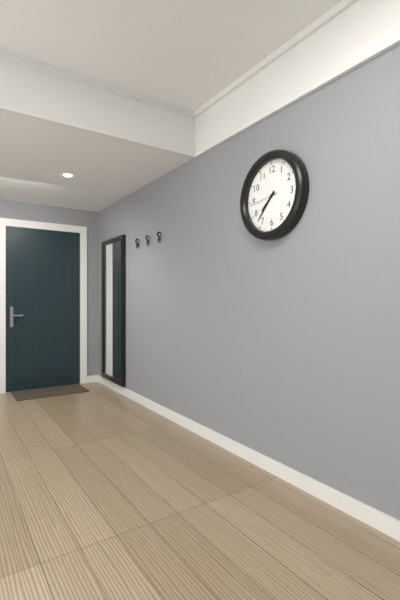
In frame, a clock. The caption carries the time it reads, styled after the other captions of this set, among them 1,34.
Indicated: 7,37
